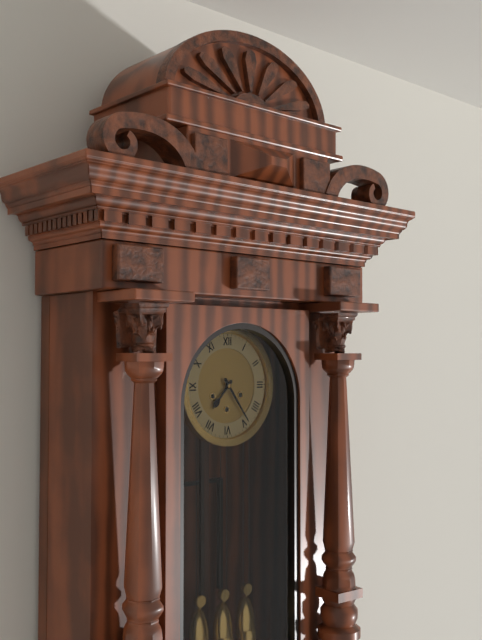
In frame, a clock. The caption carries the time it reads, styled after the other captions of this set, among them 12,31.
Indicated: 7,24
